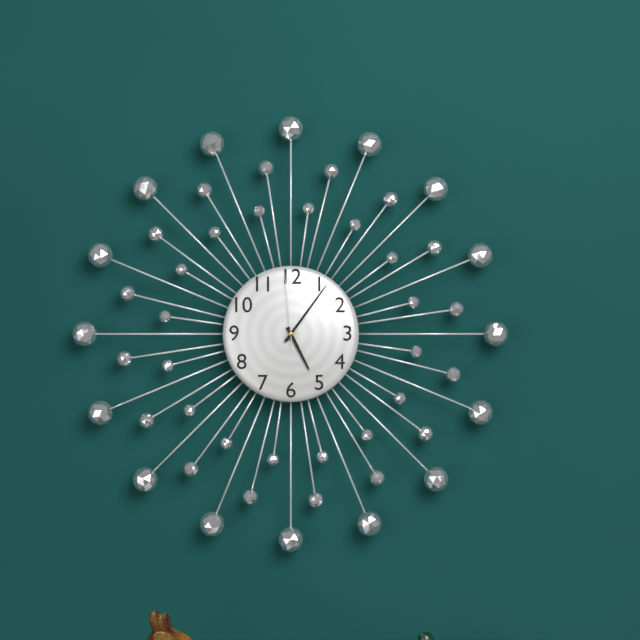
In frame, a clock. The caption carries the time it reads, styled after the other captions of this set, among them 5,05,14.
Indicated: 5,06,59
